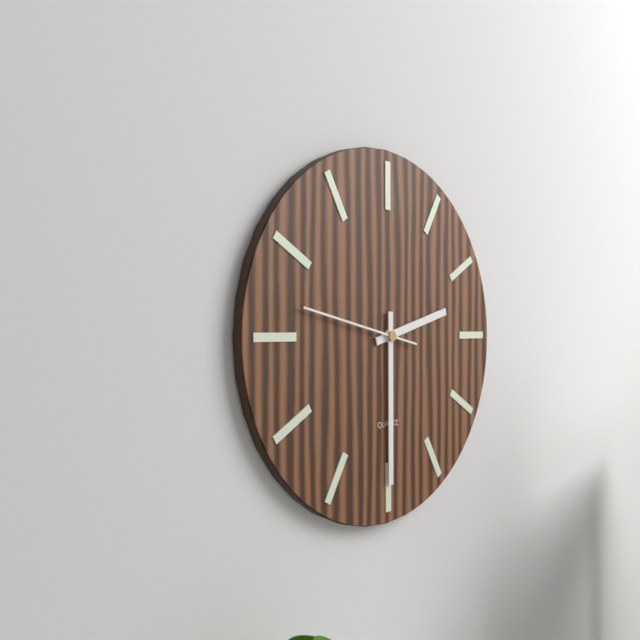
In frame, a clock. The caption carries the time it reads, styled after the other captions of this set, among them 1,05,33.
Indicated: 2,30,47
